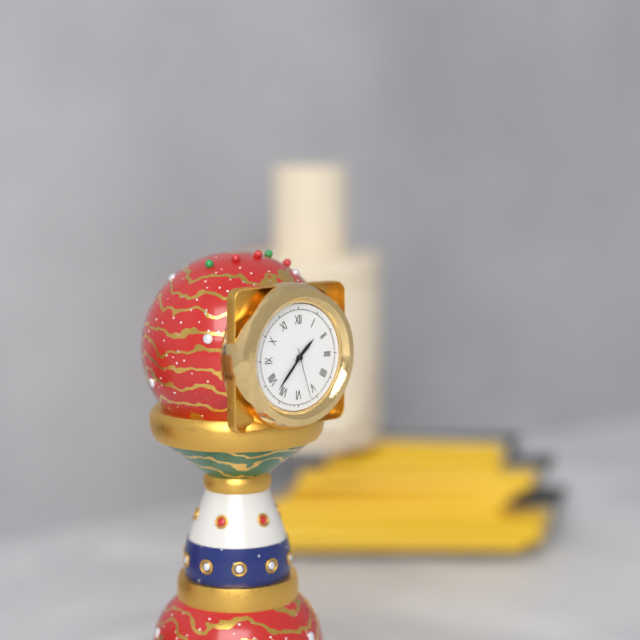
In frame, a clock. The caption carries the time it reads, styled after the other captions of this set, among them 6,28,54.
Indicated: 1,37,27
